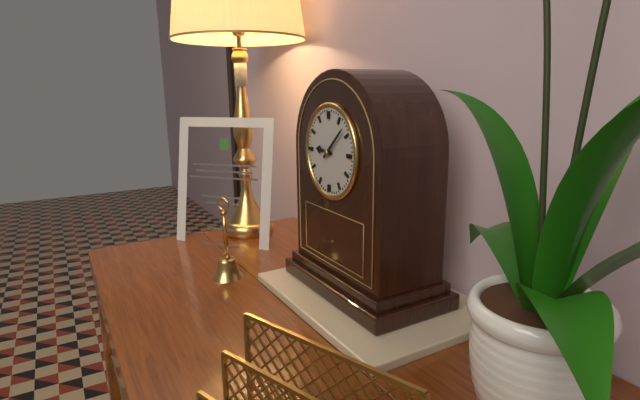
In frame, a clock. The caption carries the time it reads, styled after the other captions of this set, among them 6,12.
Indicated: 9,08
